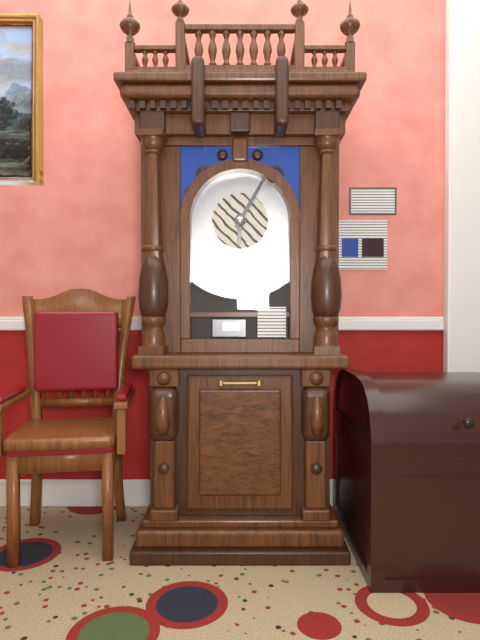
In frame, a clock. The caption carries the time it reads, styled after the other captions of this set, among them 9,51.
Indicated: 6,05
